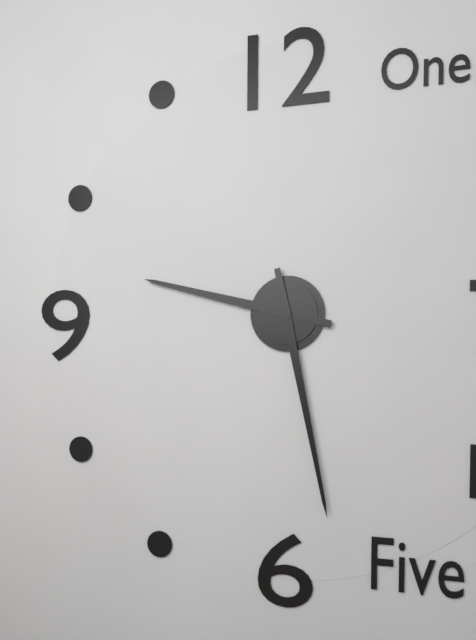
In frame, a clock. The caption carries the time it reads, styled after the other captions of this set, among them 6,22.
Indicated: 9,28
